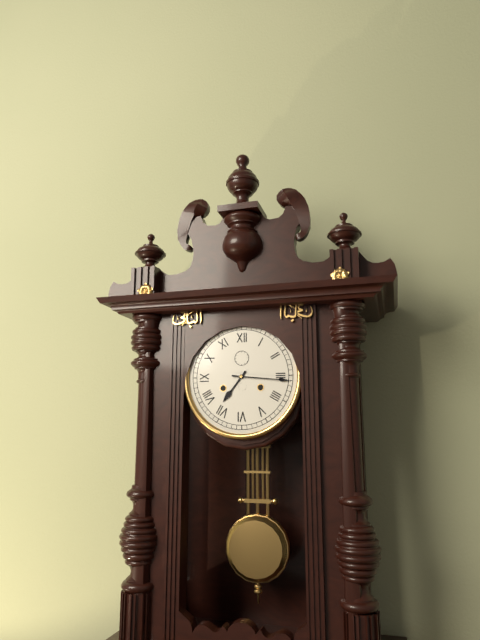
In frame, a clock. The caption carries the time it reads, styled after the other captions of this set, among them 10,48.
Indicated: 7,16
